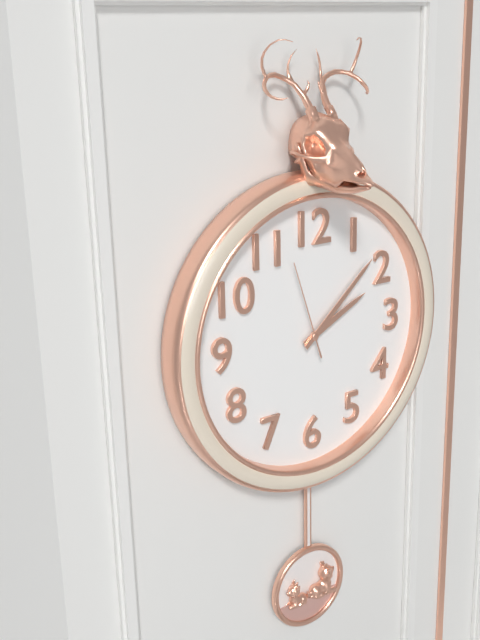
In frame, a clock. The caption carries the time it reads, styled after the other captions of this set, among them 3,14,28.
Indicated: 2,08,57
